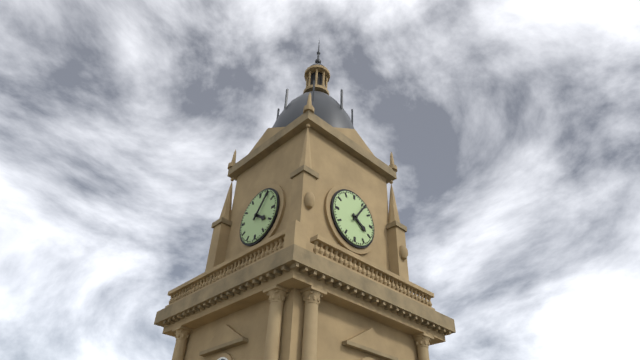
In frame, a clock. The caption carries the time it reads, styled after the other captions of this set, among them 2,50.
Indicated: 4,06
